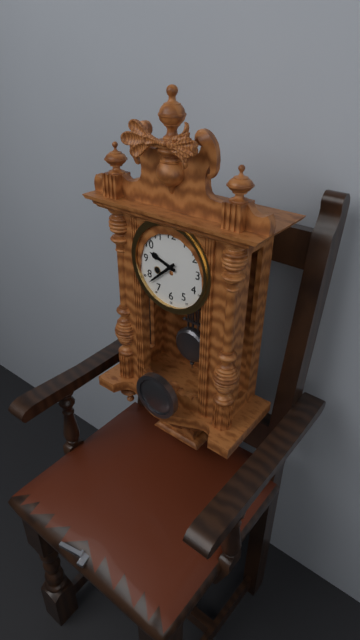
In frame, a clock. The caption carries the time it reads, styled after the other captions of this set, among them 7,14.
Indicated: 9,38
